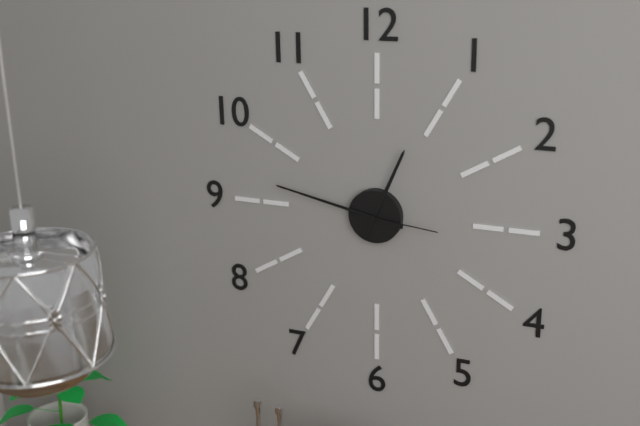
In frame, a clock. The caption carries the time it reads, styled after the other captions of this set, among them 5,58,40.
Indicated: 12,47,16
